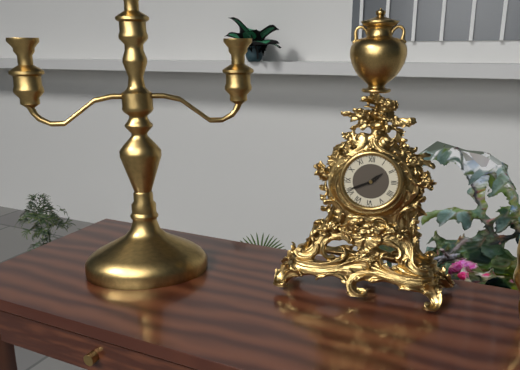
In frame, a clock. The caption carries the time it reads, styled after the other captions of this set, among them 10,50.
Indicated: 1,41
